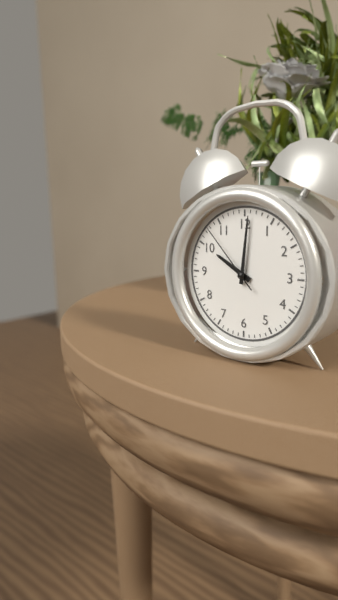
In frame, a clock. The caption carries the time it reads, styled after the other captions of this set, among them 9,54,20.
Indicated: 10,01,53
